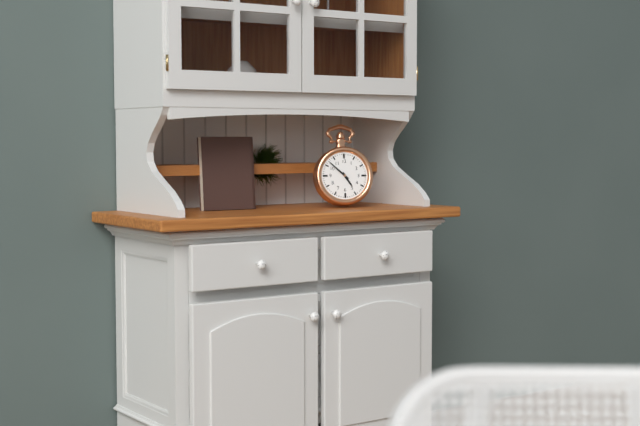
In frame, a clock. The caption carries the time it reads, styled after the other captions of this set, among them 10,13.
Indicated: 4,52
